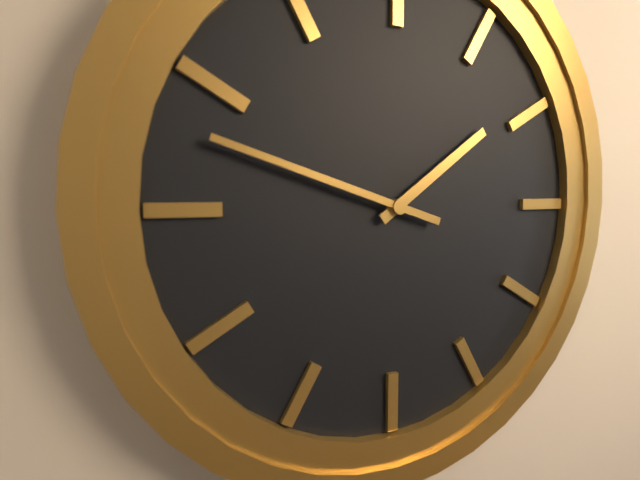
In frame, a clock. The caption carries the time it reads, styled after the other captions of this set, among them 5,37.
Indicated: 1,48
